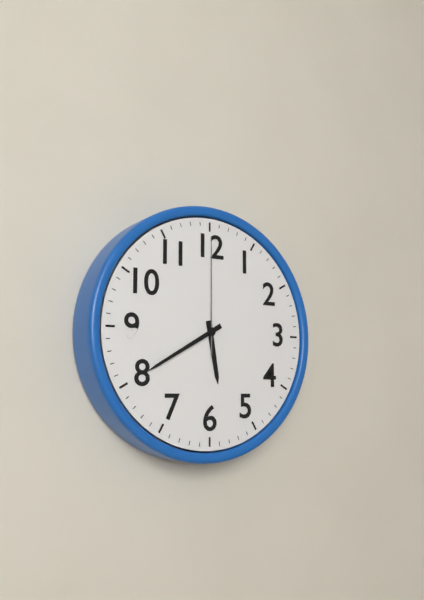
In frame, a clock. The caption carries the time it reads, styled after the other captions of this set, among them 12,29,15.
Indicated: 5,40,00
